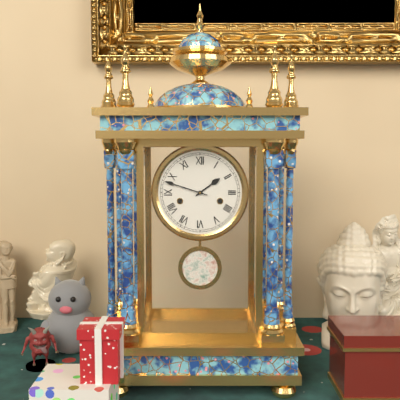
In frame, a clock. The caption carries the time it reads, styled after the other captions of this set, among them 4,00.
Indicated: 1,48
